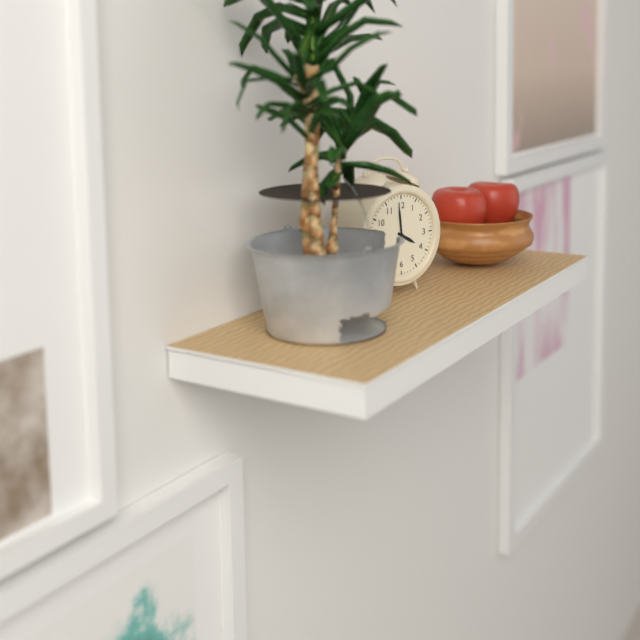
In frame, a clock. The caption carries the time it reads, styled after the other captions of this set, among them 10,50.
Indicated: 3,59
